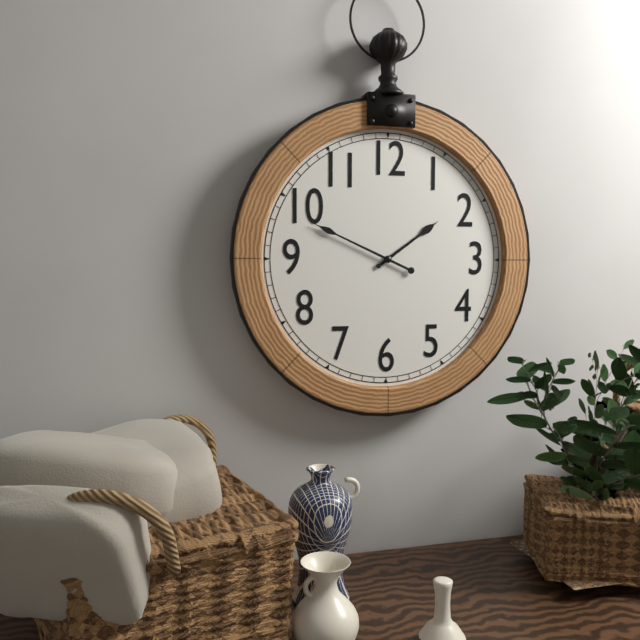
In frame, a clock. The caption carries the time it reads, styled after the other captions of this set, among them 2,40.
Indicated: 1,49
